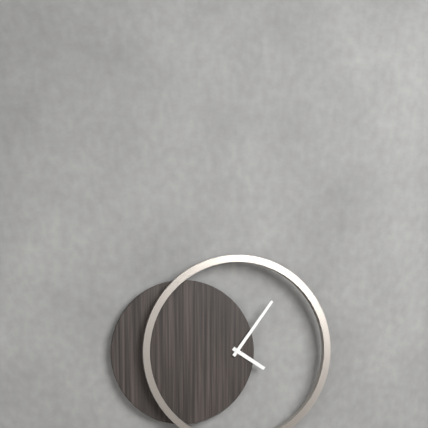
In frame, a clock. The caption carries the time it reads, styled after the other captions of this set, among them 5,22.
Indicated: 4,06
